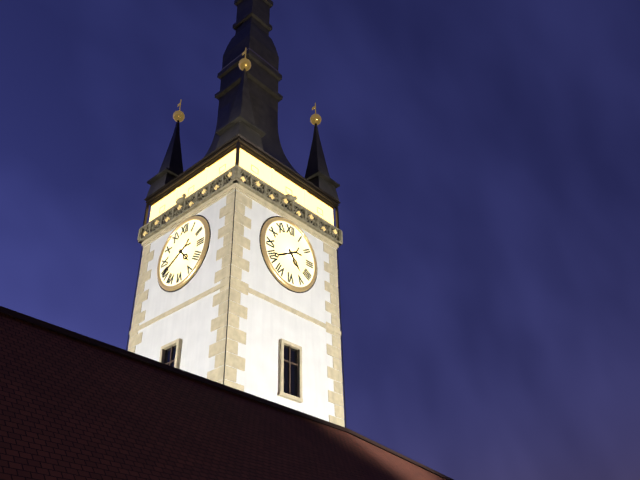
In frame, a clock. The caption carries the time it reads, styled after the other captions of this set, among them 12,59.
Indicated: 4,40
